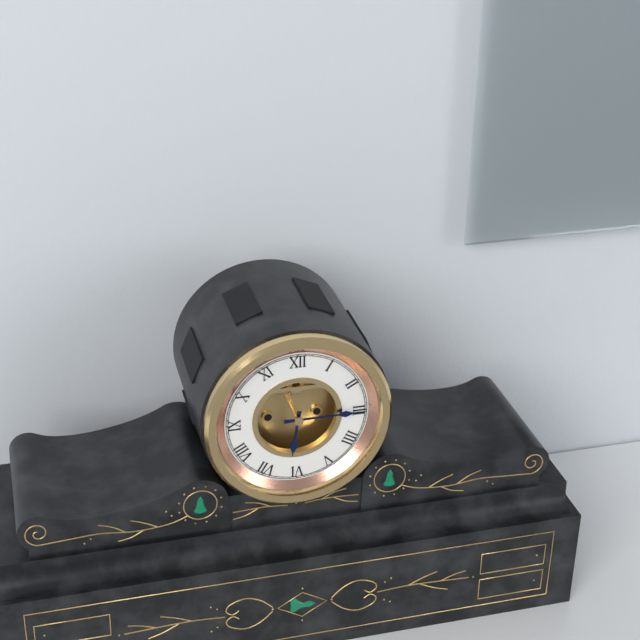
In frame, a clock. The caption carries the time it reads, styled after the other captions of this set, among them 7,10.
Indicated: 6,15
